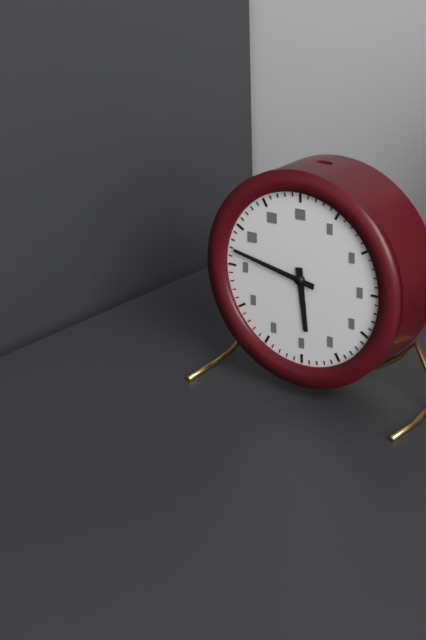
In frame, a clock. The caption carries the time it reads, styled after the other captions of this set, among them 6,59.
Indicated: 5,47
